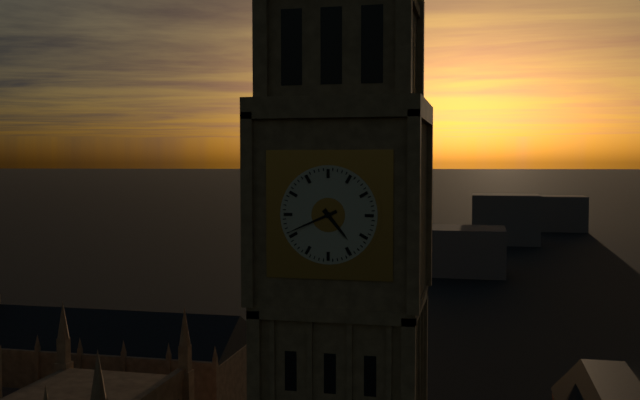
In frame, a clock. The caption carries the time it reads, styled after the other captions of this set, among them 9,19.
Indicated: 4,41
